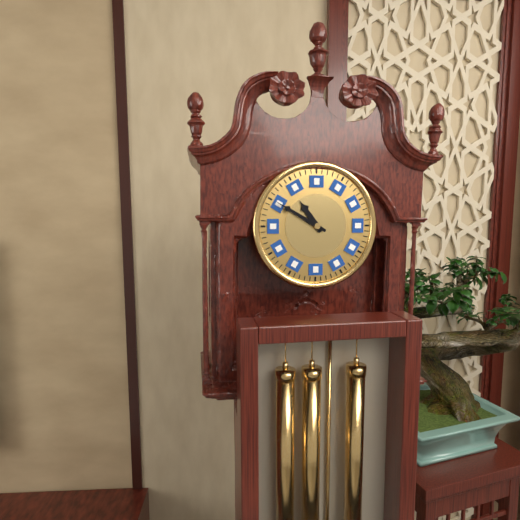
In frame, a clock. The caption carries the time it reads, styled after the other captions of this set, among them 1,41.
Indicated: 10,50
